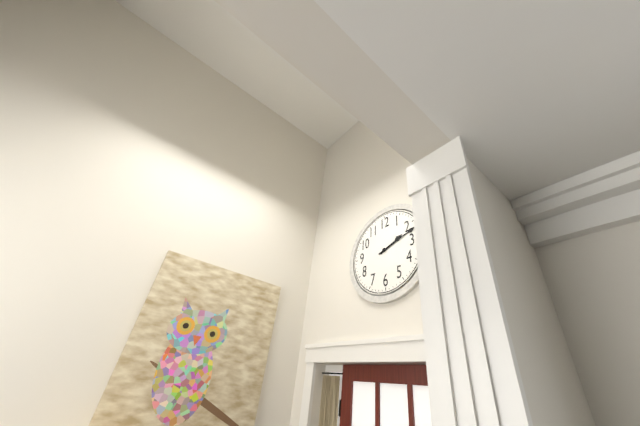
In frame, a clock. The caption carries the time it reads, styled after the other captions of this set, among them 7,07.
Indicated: 2,12
